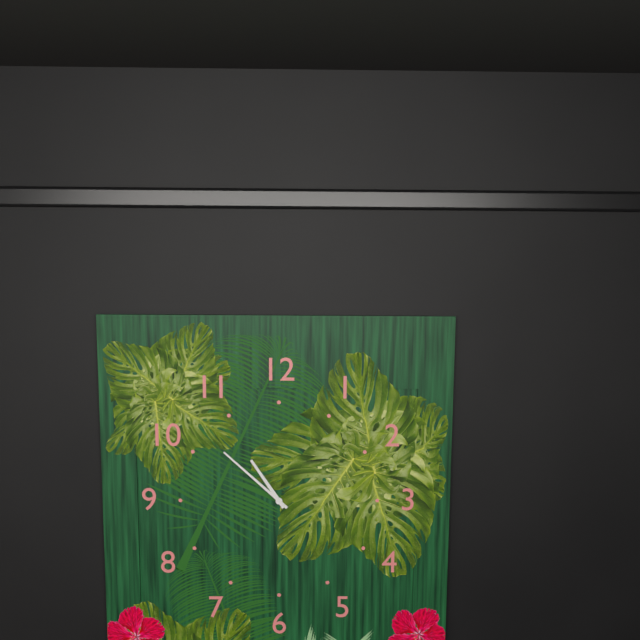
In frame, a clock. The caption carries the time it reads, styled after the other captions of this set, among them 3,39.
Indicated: 10,52
